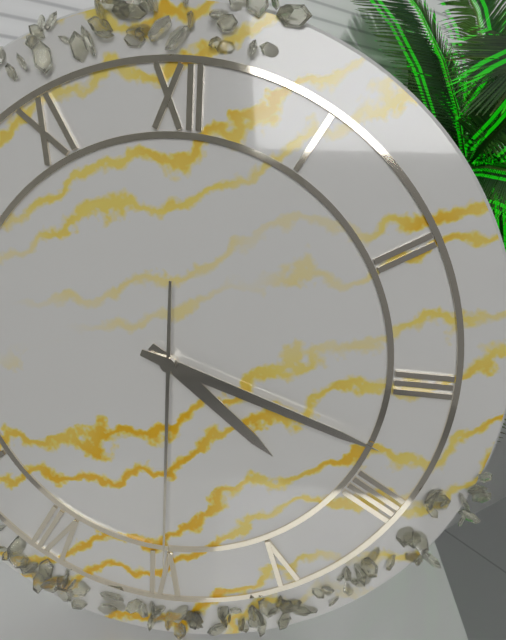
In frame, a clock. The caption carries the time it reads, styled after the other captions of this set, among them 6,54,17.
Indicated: 4,18,30
